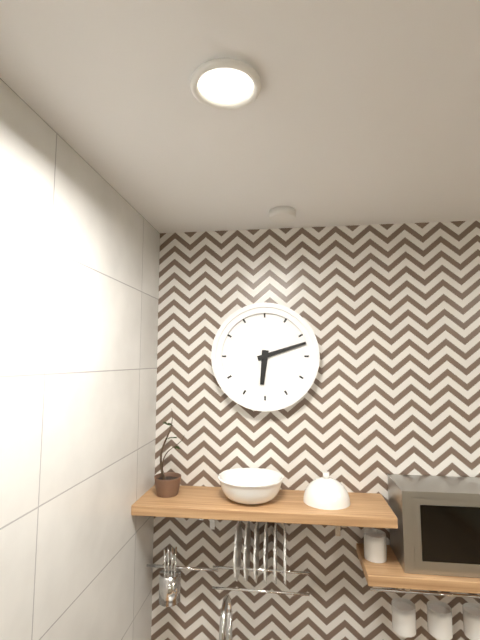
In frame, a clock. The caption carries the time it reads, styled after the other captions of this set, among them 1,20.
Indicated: 6,12
